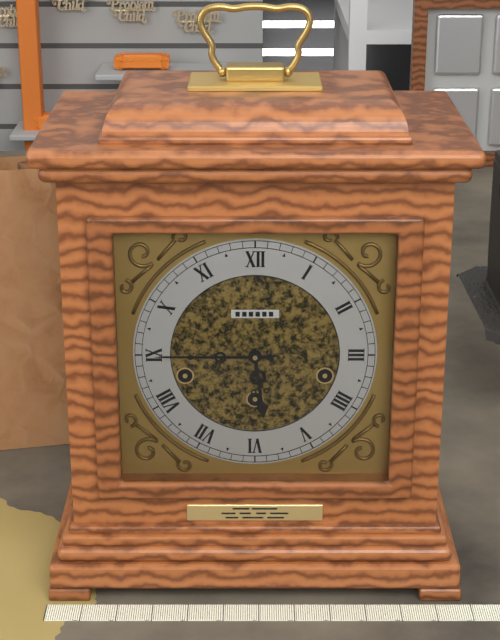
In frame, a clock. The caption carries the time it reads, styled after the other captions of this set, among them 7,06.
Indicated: 5,45
